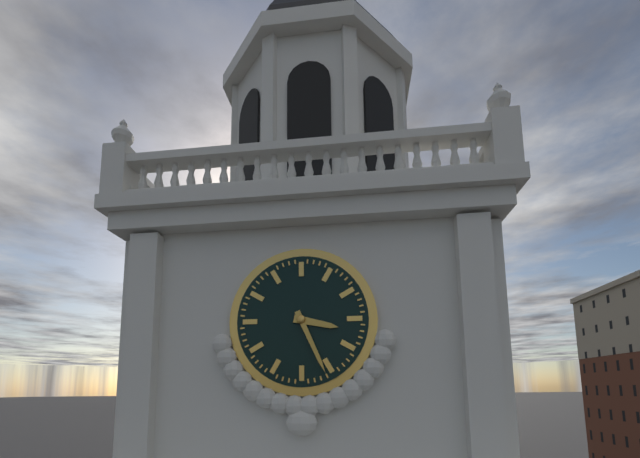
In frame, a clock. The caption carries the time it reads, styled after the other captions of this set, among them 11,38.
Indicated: 3,26
